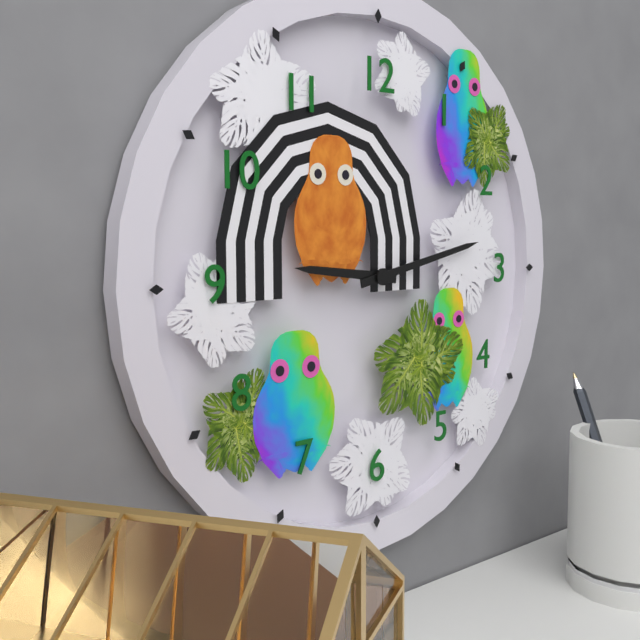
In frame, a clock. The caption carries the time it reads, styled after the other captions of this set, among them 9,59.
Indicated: 9,13
